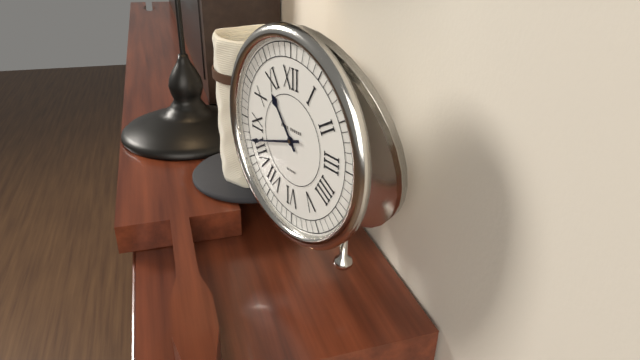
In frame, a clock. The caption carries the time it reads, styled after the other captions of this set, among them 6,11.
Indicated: 10,42
